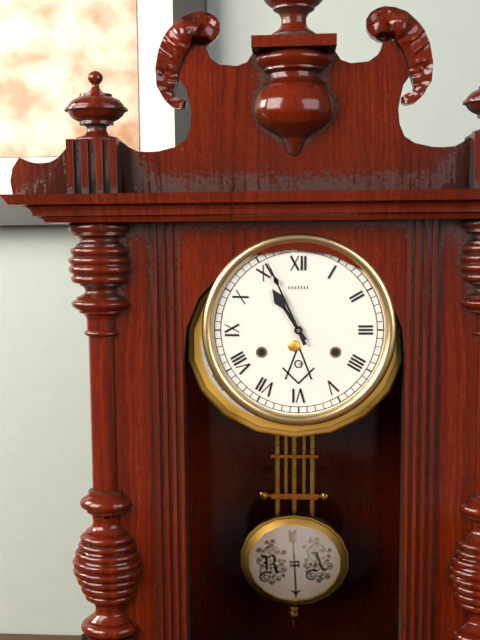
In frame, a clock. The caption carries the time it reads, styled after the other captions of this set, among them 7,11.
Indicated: 10,56
